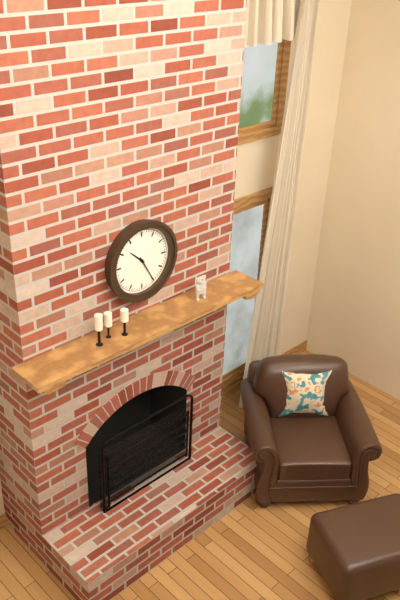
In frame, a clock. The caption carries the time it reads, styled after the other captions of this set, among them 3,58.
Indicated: 10,25
